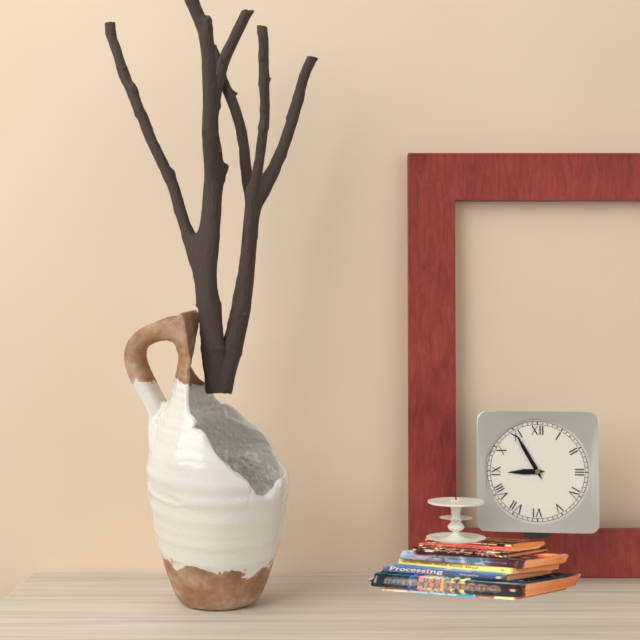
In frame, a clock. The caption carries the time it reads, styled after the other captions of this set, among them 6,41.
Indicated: 8,55
